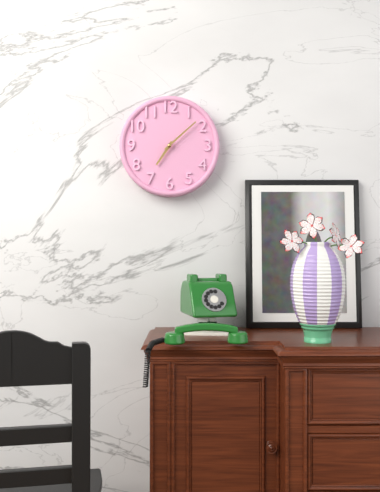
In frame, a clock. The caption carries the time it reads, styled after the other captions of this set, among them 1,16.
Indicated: 7,08
